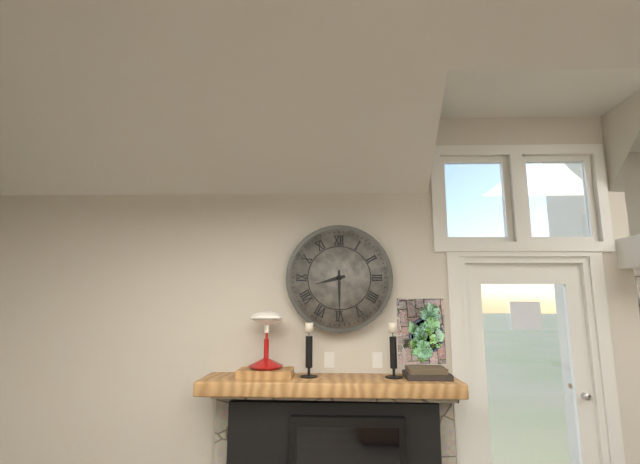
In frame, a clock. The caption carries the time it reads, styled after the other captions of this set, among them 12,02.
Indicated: 8,30
